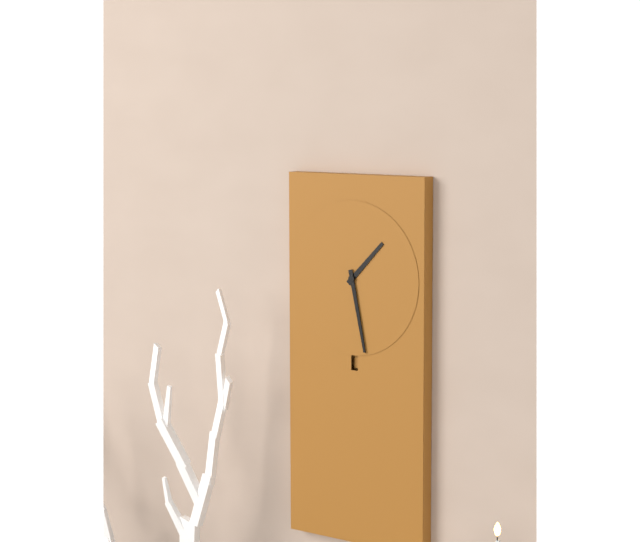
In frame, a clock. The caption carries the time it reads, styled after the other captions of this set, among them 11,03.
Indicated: 1,28
